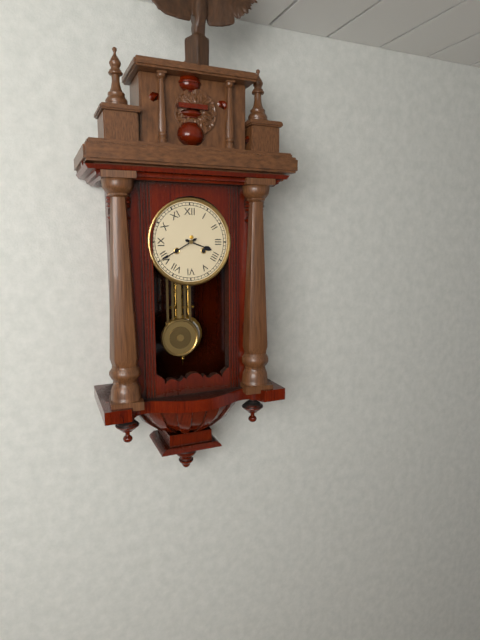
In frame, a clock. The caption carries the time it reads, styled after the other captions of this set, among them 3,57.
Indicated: 3,40
